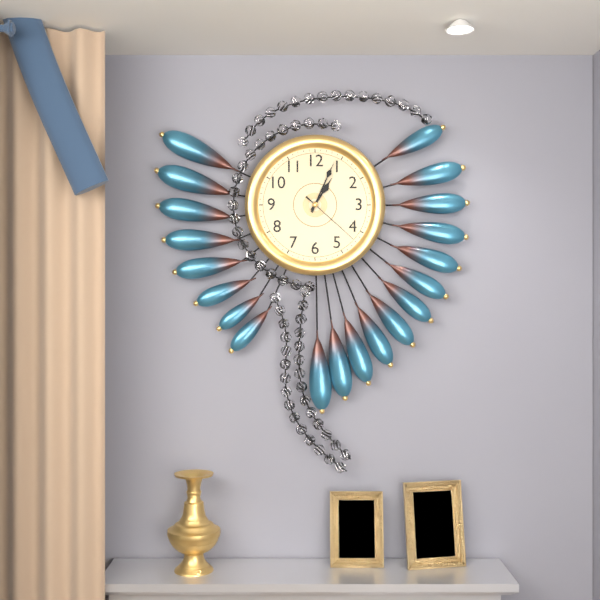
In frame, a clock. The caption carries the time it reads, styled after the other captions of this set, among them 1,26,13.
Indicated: 1,04,22
